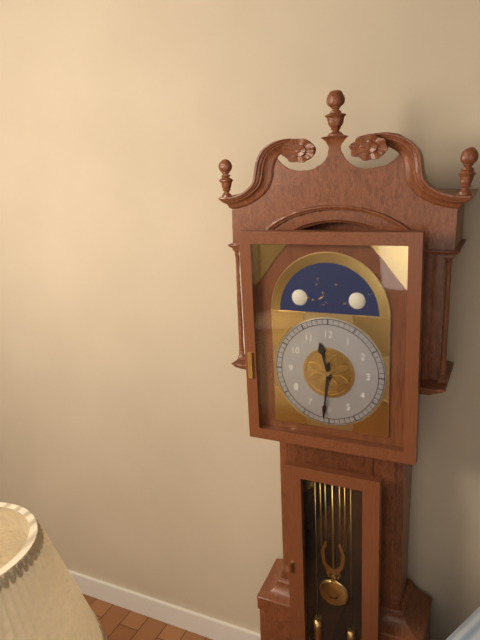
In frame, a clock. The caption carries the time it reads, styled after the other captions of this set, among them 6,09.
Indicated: 11,31
